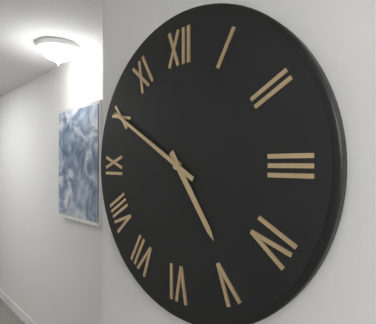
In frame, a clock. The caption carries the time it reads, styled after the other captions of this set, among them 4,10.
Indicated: 4,50
